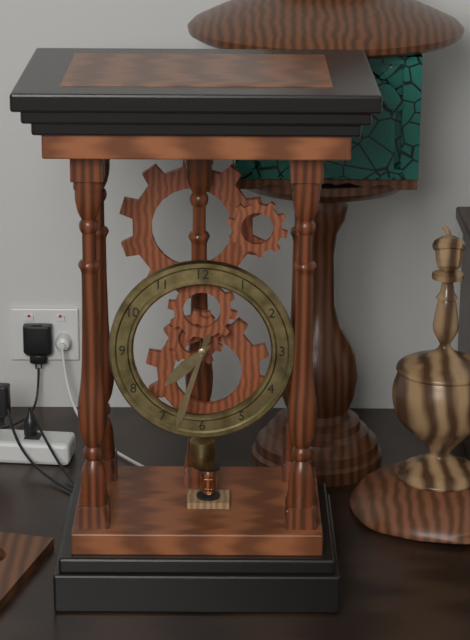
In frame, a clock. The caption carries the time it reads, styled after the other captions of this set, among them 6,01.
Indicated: 7,33
